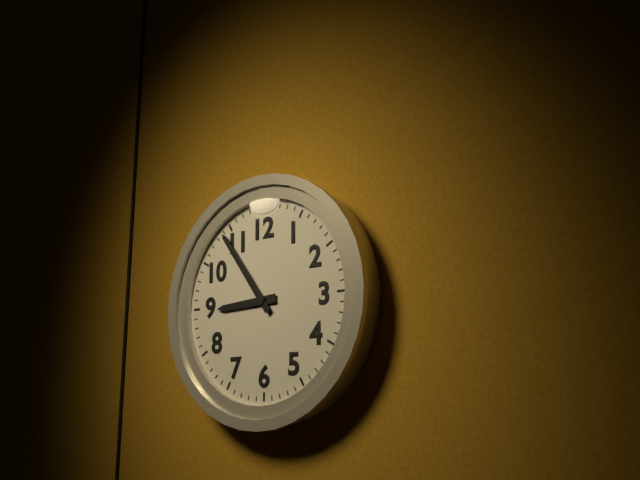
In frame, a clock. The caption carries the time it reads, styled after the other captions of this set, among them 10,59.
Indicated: 8,54
